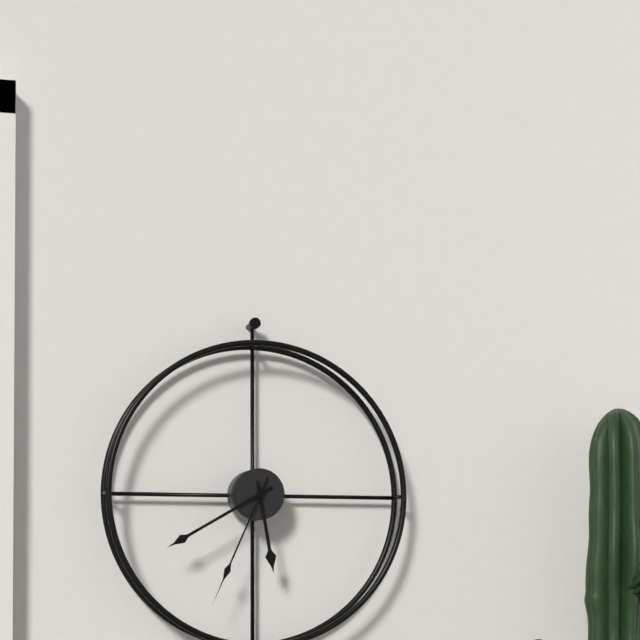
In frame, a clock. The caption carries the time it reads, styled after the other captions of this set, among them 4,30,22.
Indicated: 5,40,34
